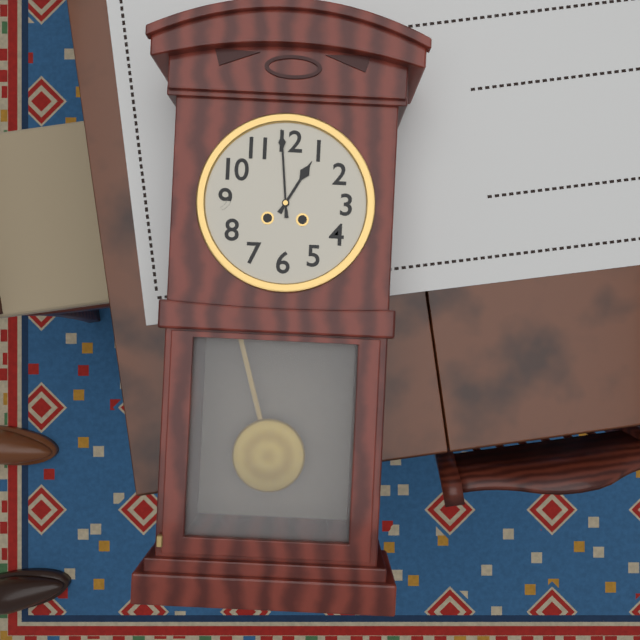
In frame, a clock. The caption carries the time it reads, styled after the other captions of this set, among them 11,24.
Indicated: 12,59
